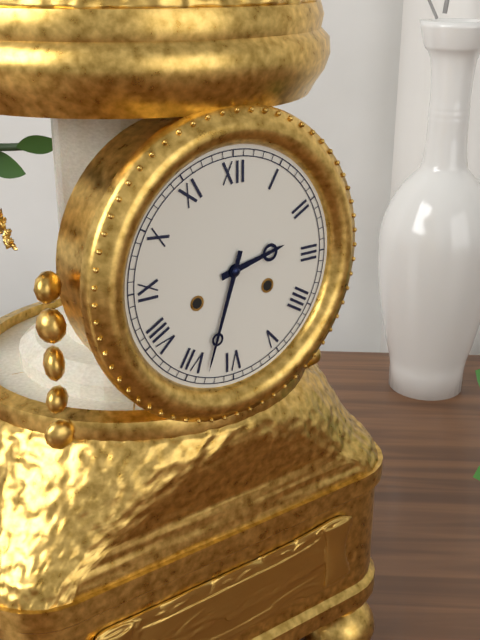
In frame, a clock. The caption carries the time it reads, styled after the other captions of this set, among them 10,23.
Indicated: 2,33
